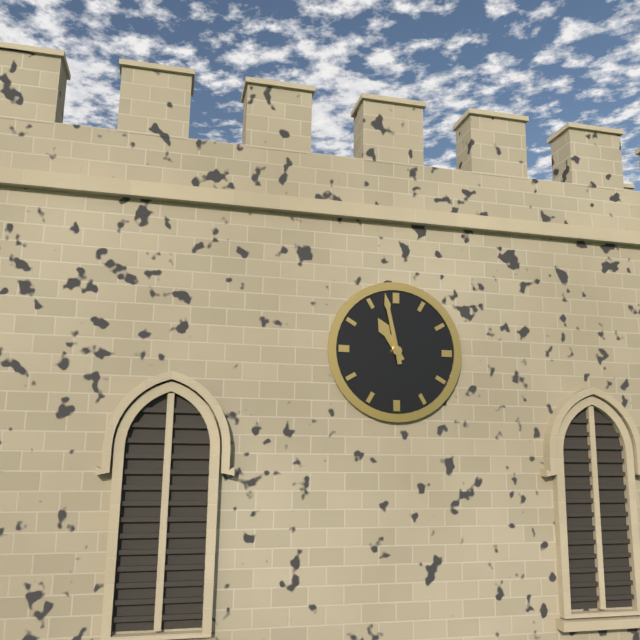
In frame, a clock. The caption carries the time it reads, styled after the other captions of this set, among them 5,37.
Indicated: 10,58
